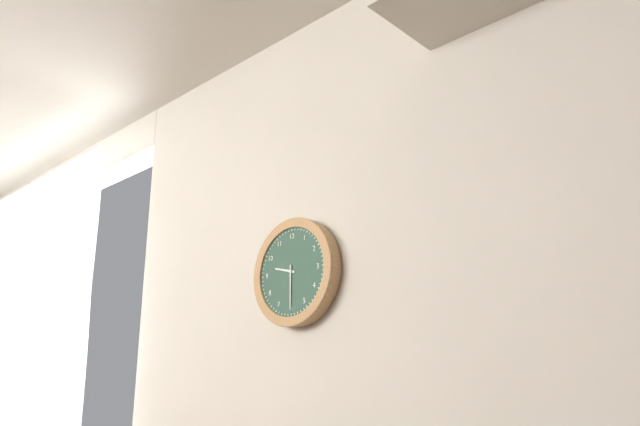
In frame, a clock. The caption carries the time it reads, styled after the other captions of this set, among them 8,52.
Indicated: 9,30
